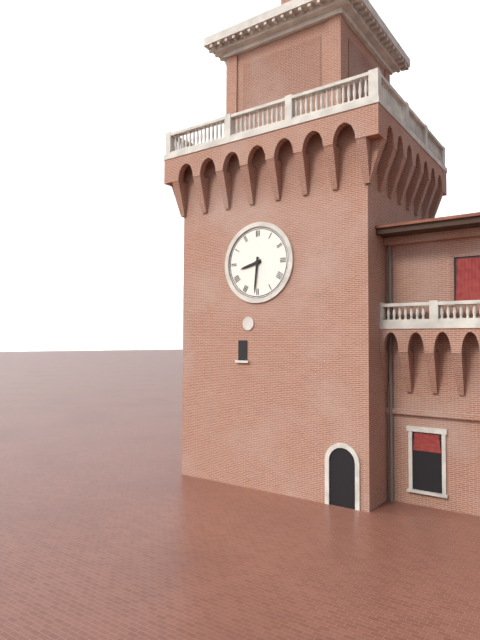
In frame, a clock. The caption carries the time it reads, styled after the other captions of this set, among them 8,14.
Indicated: 8,31
